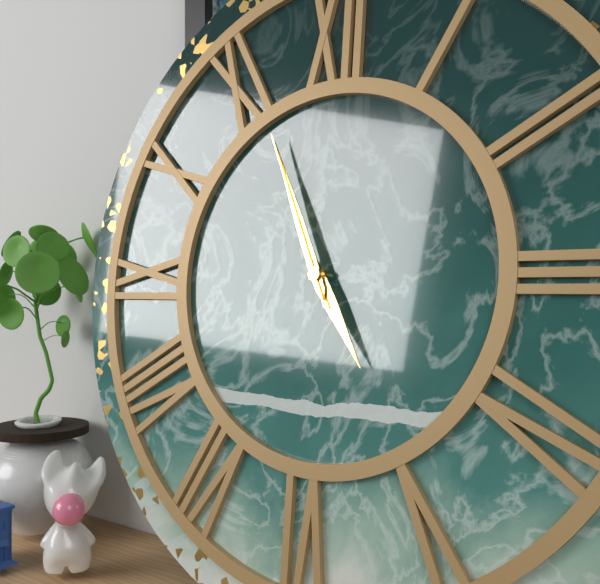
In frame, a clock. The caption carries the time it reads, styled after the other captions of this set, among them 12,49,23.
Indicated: 4,56,56
